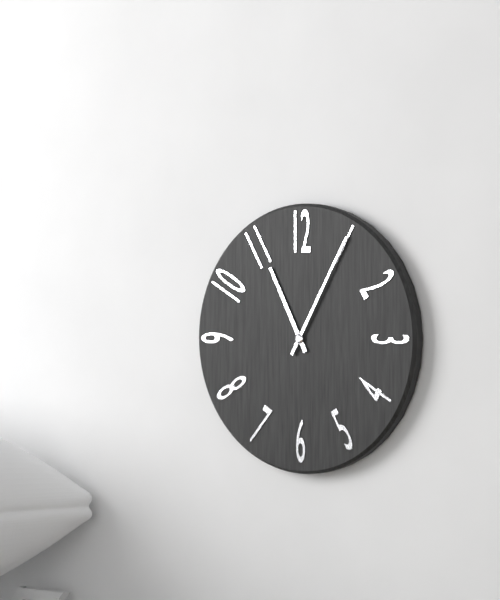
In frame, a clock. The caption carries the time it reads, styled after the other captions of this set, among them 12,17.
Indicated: 11,05
